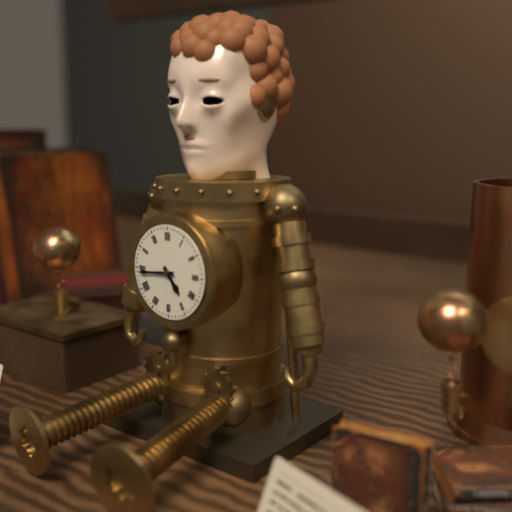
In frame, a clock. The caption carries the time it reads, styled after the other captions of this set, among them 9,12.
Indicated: 4,44
